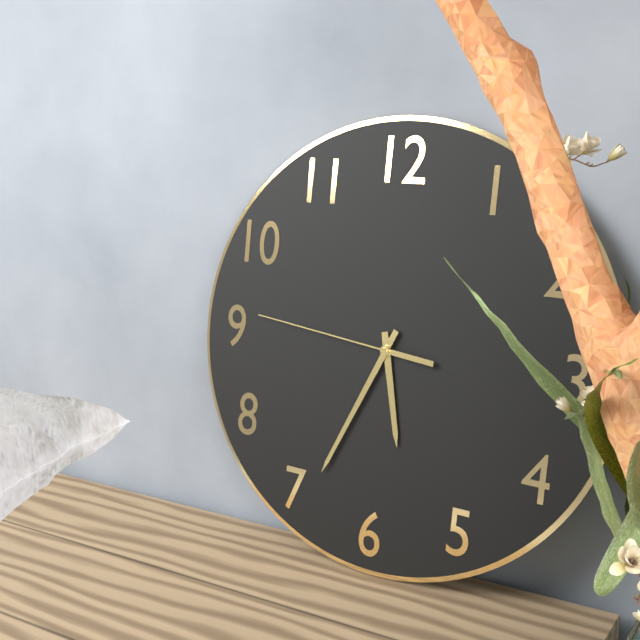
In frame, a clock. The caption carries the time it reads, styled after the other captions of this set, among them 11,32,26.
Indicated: 5,34,46
